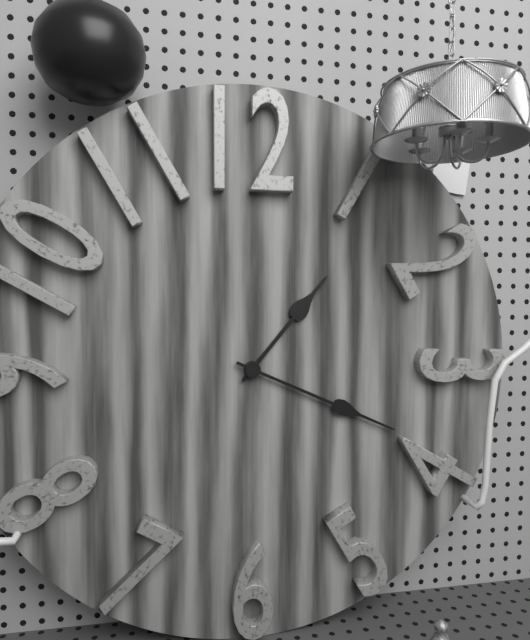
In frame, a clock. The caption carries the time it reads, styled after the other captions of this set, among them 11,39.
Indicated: 1,19
